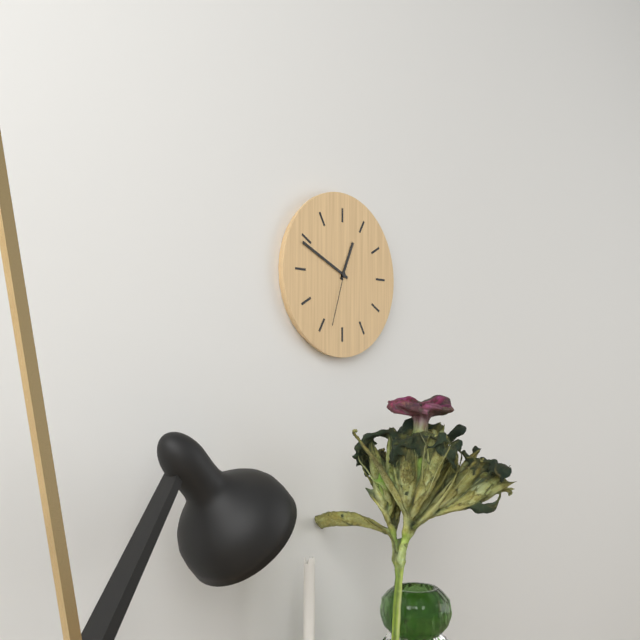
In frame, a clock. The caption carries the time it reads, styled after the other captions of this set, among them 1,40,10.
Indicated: 12,49,33
